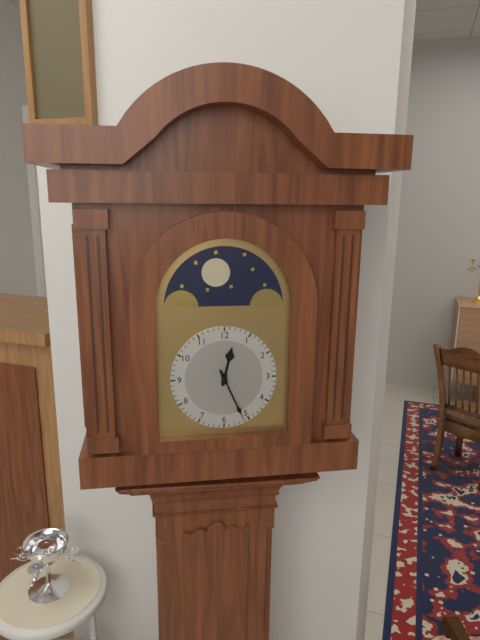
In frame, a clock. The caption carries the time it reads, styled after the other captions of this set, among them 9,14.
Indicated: 12,26
